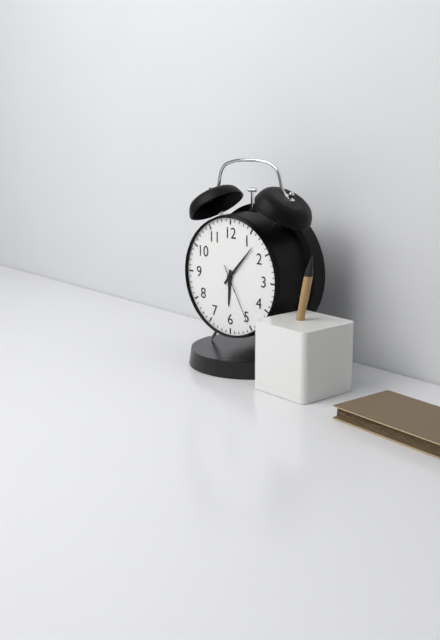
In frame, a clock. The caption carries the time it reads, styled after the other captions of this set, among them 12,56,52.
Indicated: 6,07,25
